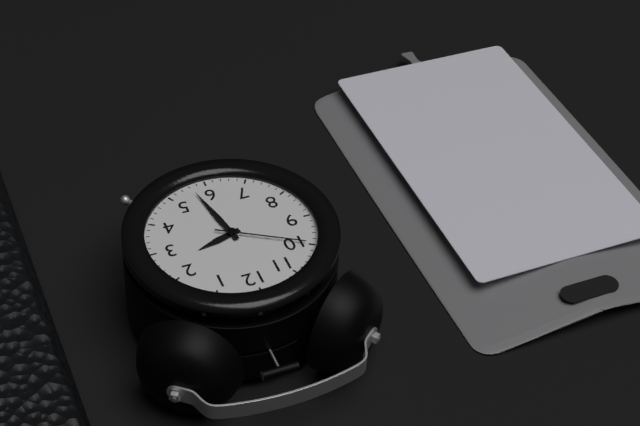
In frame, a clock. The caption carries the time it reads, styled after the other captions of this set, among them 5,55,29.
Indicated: 2,28,50
